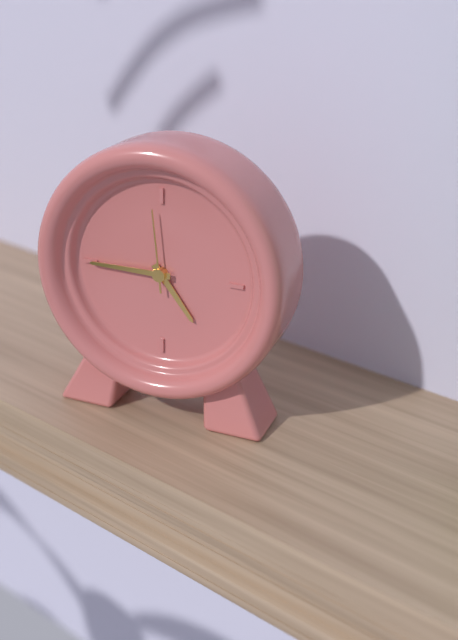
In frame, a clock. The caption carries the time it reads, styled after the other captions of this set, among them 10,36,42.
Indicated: 4,45,59
